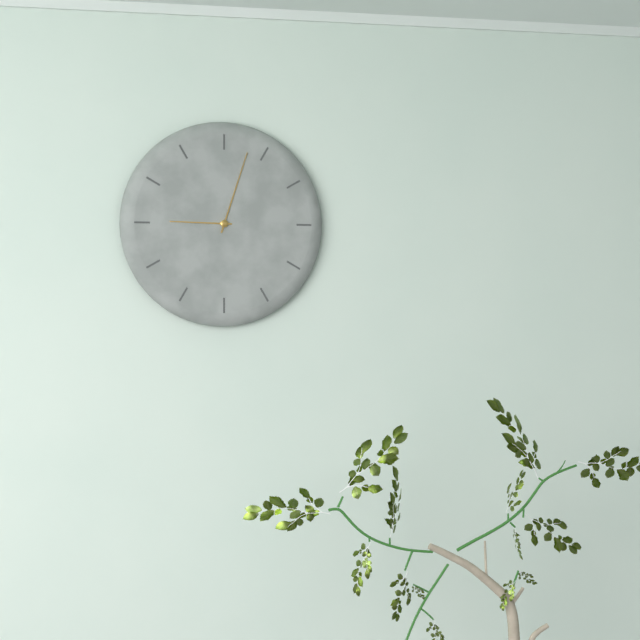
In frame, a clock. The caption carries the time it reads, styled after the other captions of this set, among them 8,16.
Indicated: 9,03
